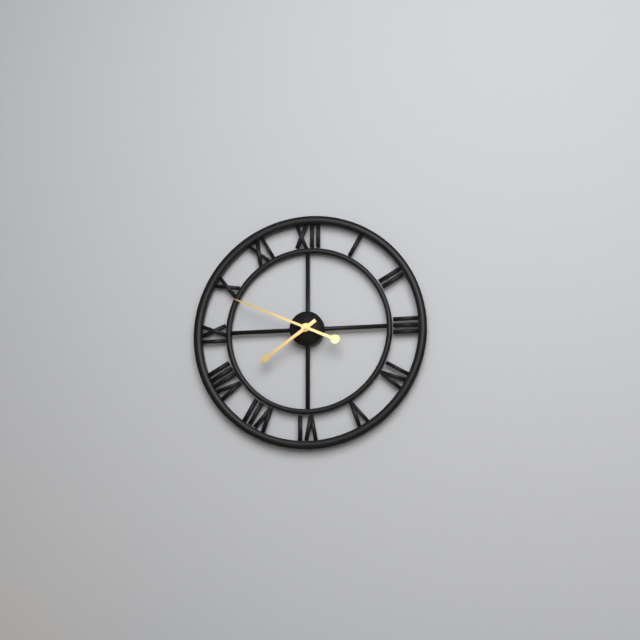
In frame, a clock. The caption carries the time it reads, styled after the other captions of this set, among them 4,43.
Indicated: 7,49
